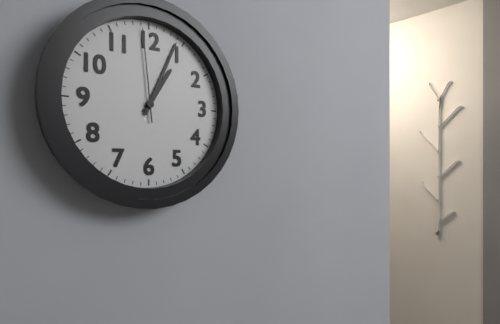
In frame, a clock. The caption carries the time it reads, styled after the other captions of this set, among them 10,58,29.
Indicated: 1,04,59
